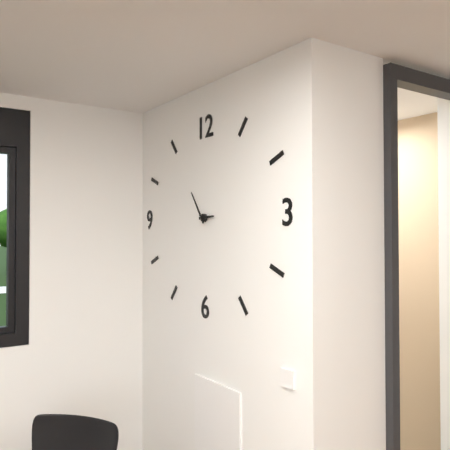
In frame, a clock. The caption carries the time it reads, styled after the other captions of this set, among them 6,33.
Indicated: 2,54
